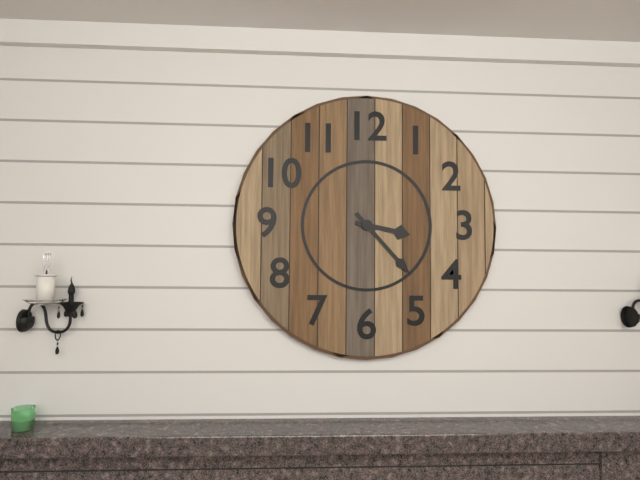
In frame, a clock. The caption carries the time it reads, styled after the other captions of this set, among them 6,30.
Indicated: 3,23
